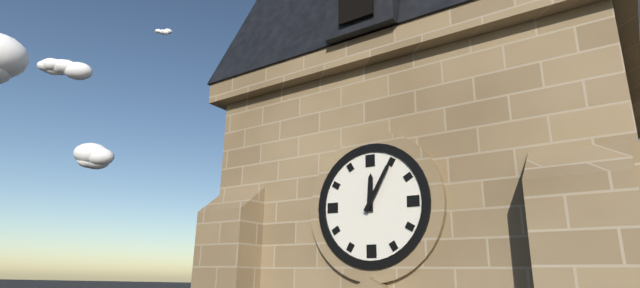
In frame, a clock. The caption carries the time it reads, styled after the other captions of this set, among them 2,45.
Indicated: 12,05
